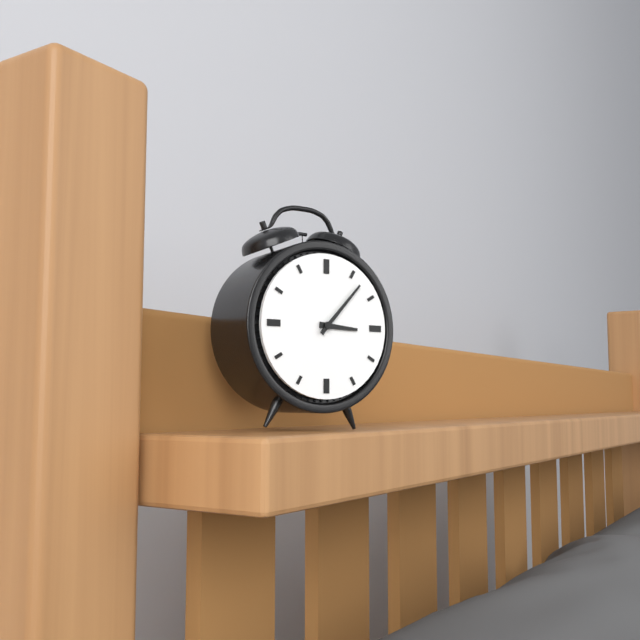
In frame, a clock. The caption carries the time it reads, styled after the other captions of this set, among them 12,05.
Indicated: 3,07
